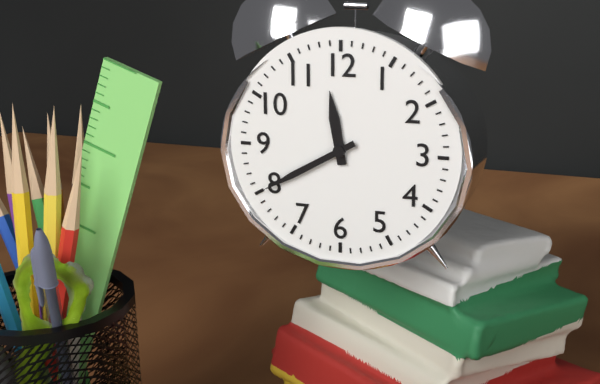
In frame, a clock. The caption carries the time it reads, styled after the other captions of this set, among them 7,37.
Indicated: 11,40
